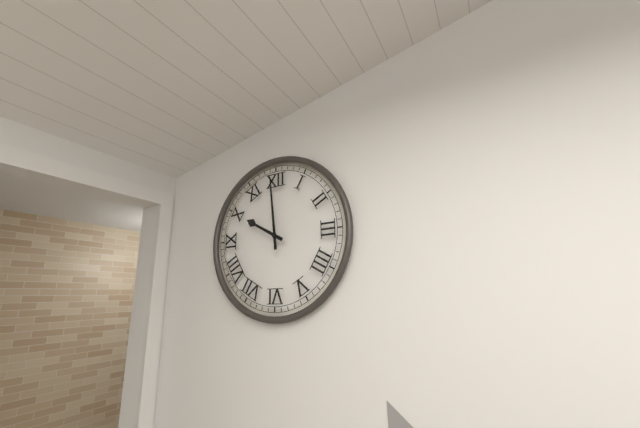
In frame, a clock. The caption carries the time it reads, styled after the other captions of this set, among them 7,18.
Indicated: 9,59
